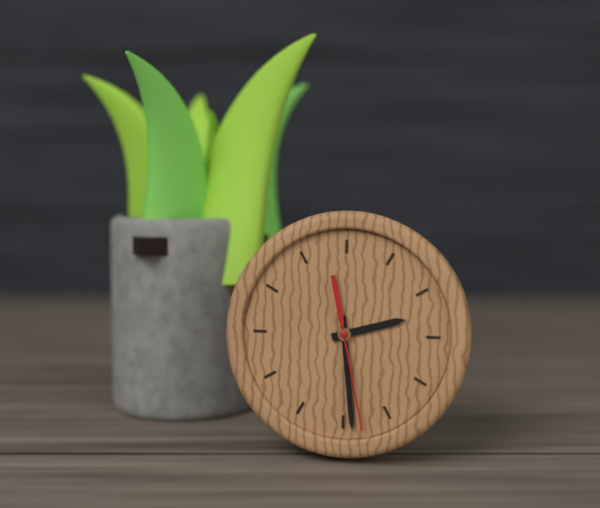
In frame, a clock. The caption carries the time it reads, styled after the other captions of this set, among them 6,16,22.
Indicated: 2,29,28
